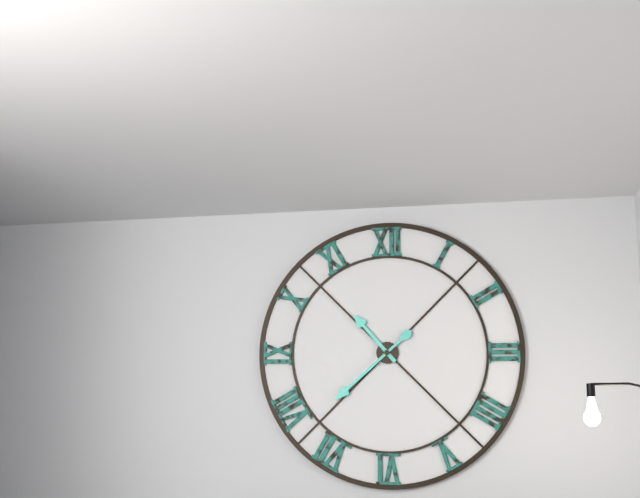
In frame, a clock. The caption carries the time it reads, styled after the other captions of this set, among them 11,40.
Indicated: 10,38
